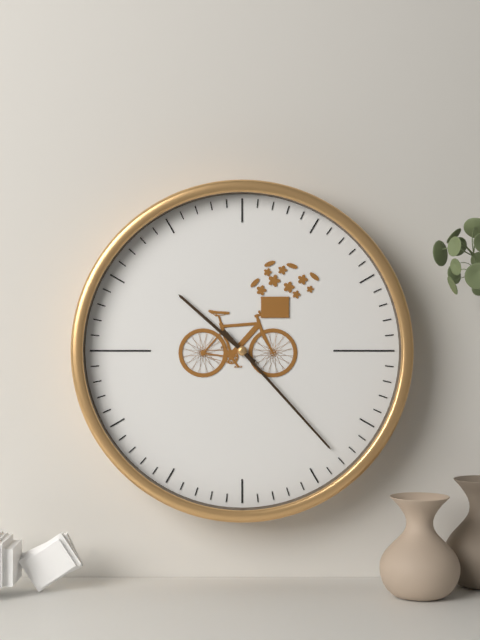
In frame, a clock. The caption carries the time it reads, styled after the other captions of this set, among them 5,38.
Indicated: 10,23
